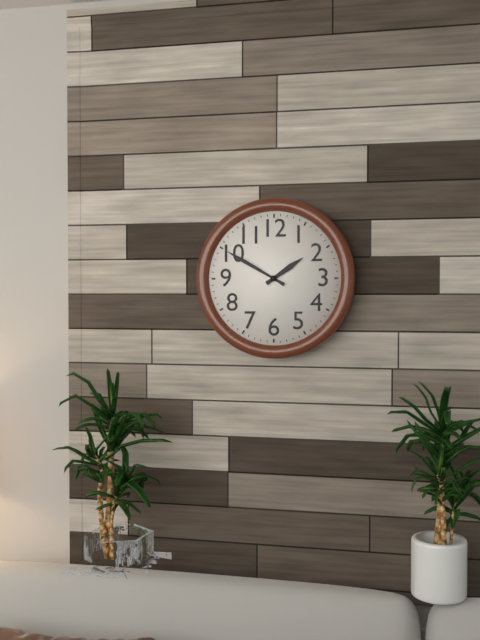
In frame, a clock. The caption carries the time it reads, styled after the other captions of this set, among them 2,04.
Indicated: 1,50
